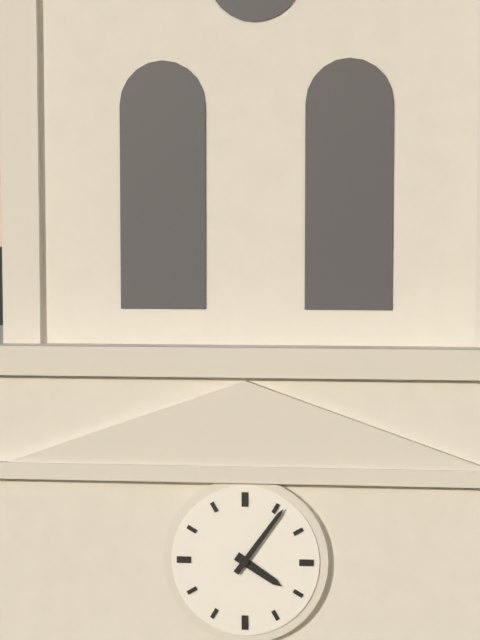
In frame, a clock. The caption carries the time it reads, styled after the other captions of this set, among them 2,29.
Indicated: 4,06
